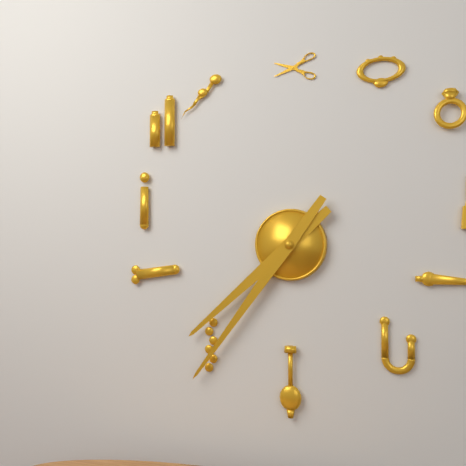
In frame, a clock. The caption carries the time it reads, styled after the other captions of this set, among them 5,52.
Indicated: 7,36
